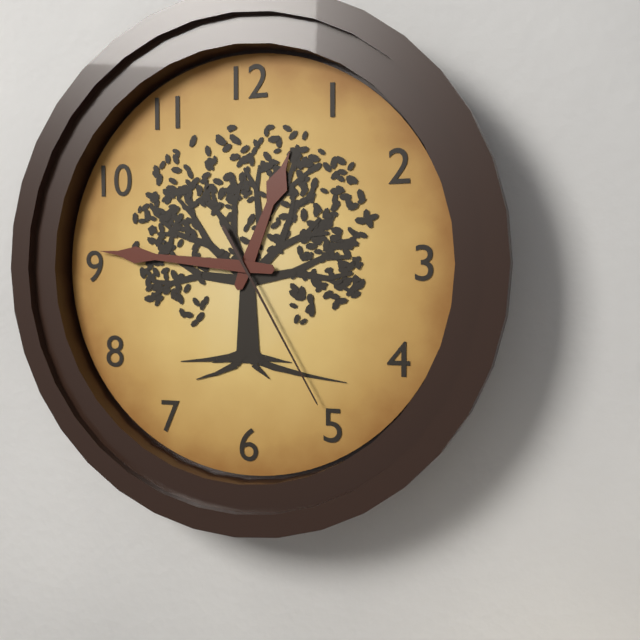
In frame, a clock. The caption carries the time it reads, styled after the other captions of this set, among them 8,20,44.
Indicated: 12,46,25
